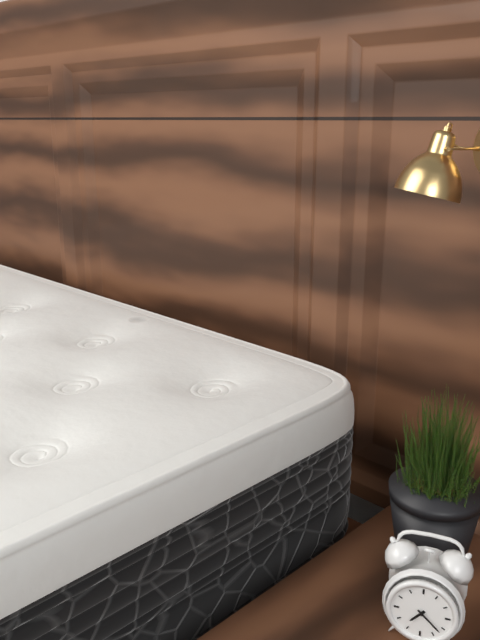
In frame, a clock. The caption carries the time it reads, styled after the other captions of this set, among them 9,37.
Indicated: 7,22
